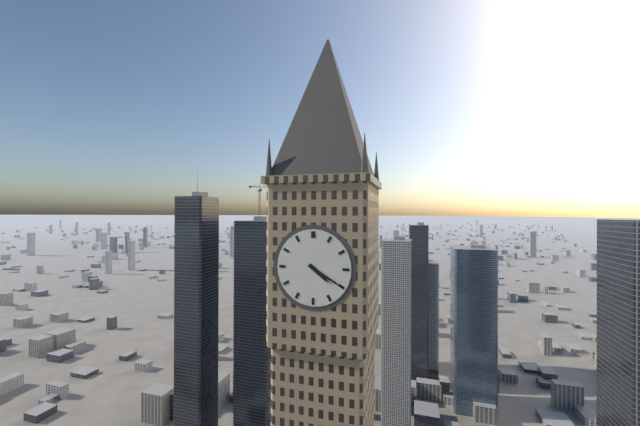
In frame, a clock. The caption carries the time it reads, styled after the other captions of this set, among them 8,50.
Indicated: 4,20
